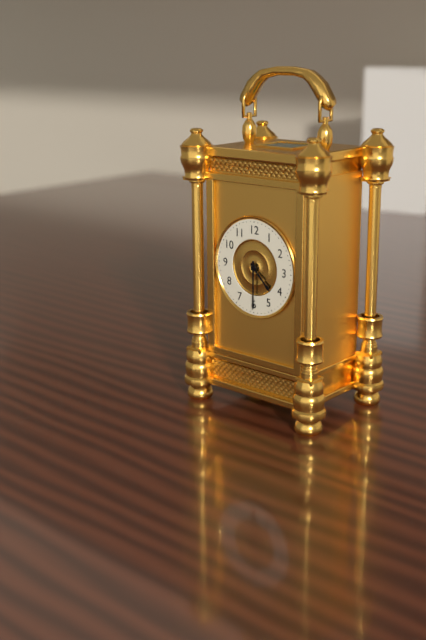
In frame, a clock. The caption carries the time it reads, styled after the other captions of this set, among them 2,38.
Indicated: 4,30
